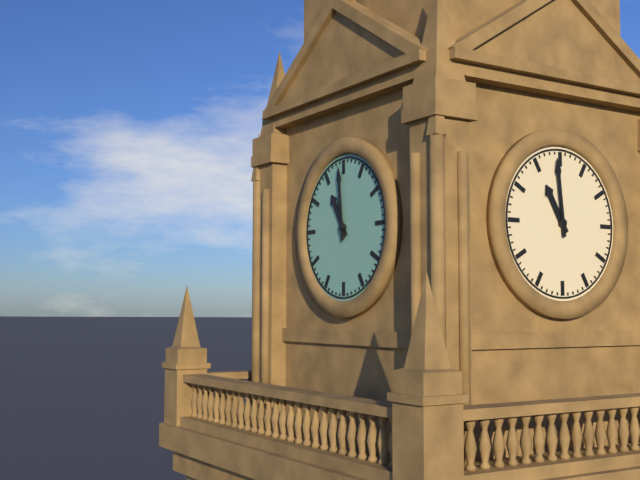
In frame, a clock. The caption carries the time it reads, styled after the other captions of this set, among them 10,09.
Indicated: 10,59
